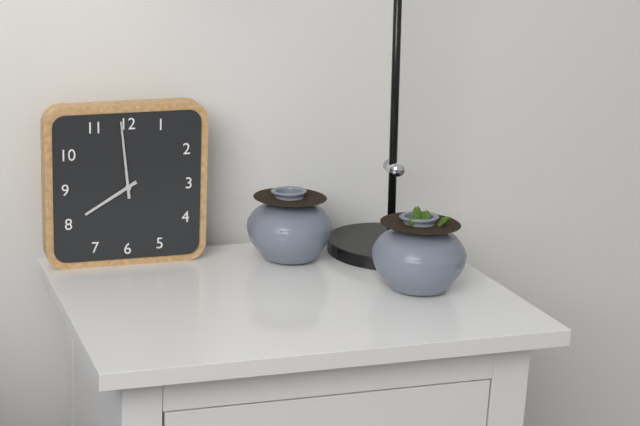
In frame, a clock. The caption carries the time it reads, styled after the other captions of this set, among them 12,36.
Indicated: 7,59
